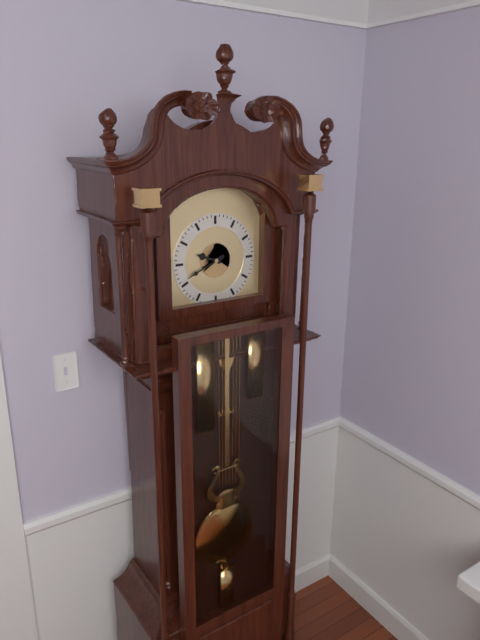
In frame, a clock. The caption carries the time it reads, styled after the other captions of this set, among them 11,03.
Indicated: 9,41
